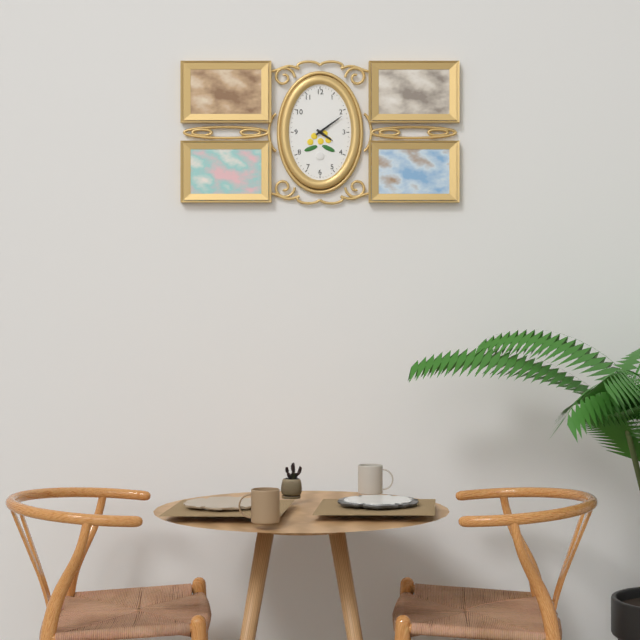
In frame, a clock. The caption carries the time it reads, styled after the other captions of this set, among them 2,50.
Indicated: 4,09
